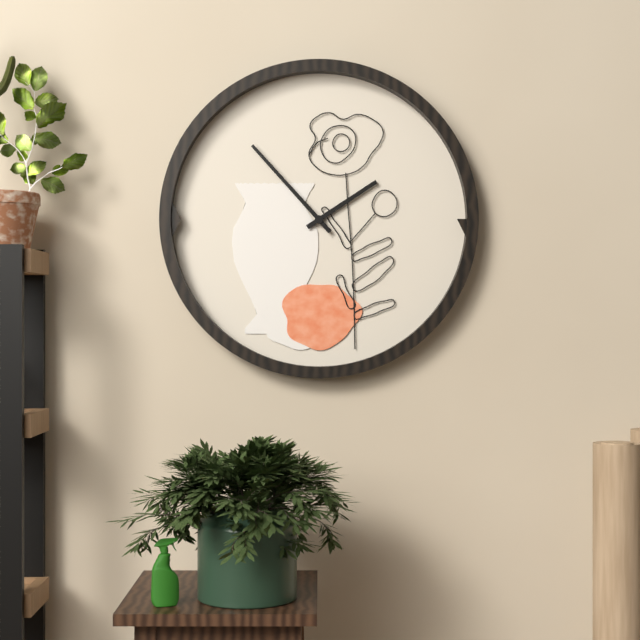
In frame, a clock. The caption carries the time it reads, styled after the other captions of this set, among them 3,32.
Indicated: 1,53
